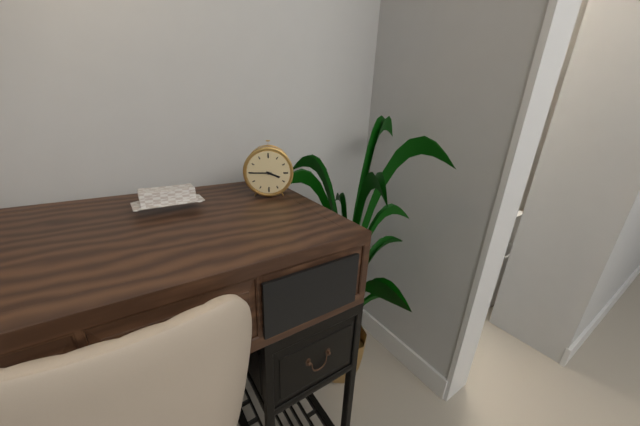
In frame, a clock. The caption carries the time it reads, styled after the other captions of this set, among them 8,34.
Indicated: 3,45
